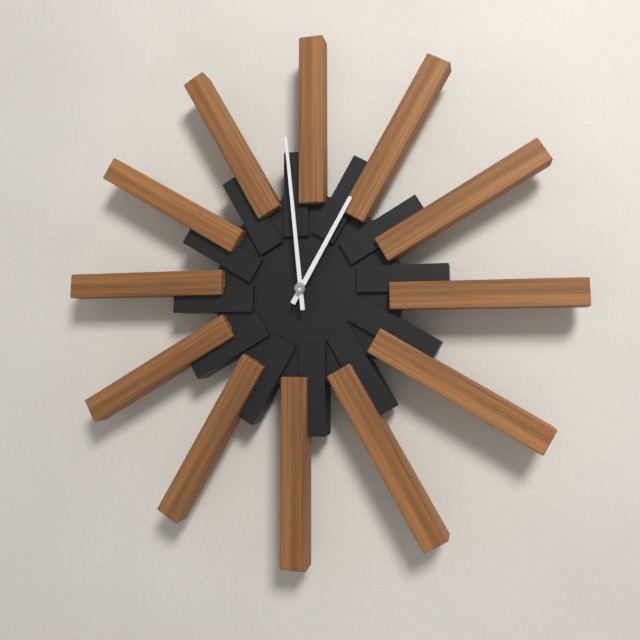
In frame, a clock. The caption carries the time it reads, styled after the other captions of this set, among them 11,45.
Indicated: 12,59
